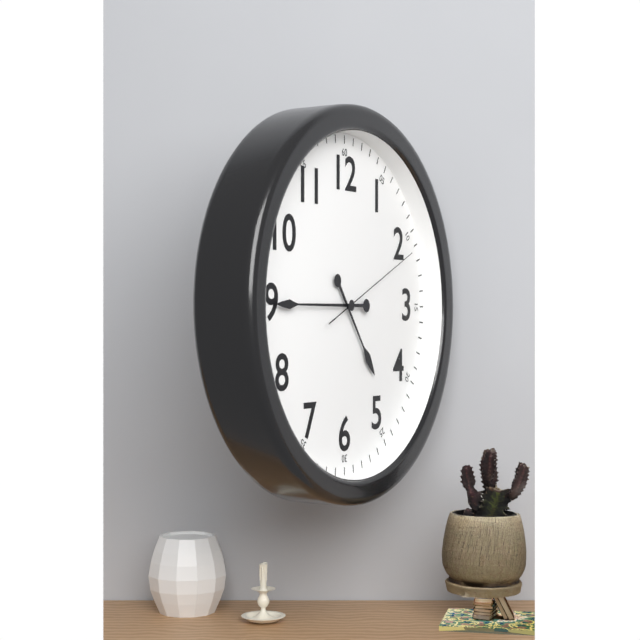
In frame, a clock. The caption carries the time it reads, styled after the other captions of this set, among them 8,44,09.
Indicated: 4,45,11
